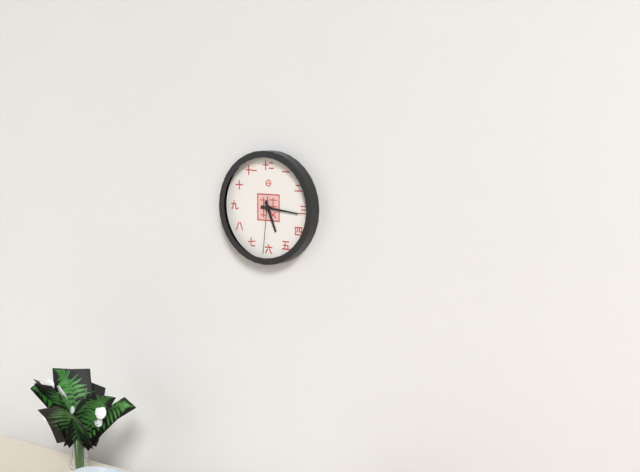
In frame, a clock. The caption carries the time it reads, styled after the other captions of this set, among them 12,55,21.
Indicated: 5,16,31
